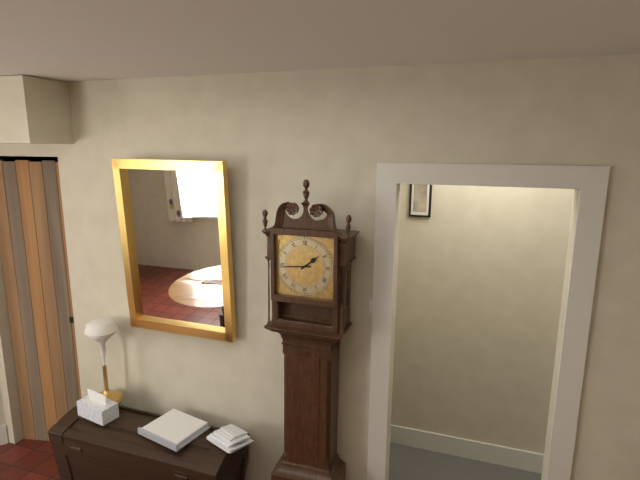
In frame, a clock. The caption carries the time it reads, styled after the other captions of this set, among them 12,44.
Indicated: 1,44
